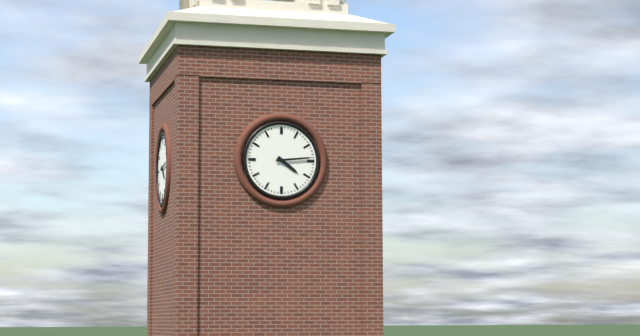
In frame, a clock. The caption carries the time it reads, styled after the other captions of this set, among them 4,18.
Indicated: 4,14
